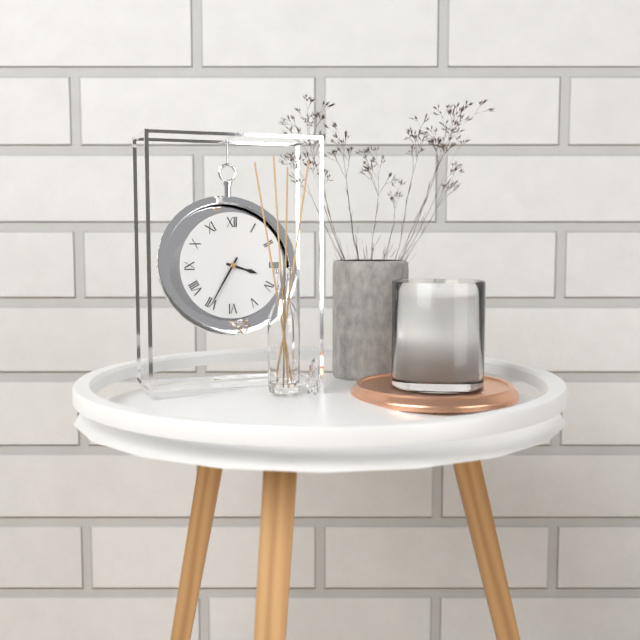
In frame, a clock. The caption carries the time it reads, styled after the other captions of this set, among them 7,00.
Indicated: 3,35
